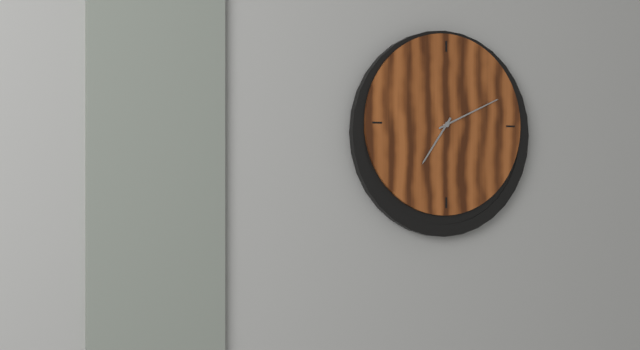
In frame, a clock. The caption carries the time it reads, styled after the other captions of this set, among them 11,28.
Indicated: 7,11
